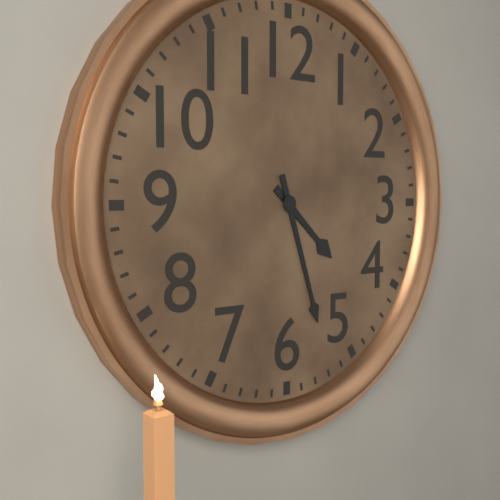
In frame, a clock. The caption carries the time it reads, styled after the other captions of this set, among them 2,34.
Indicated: 4,27
